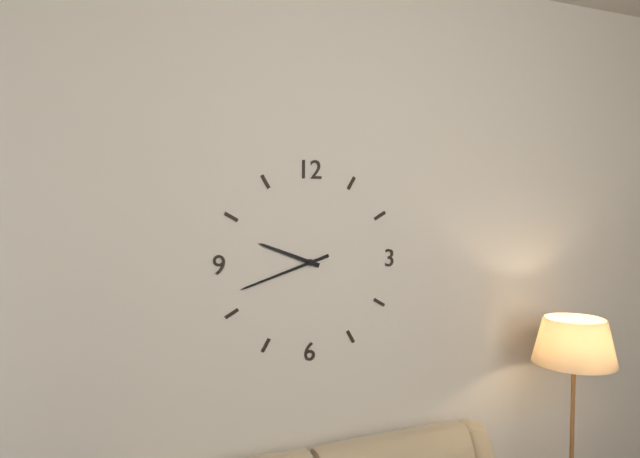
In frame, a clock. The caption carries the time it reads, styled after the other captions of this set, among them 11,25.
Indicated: 9,42
